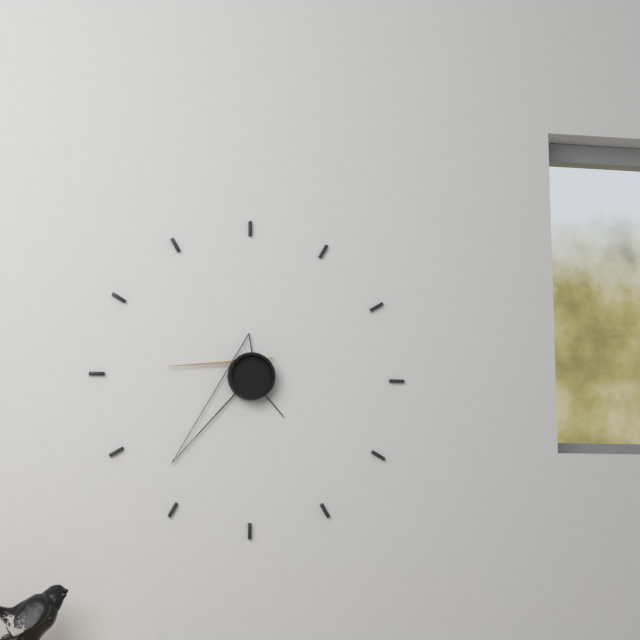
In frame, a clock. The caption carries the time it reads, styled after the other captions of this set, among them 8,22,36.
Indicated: 4,37,46
